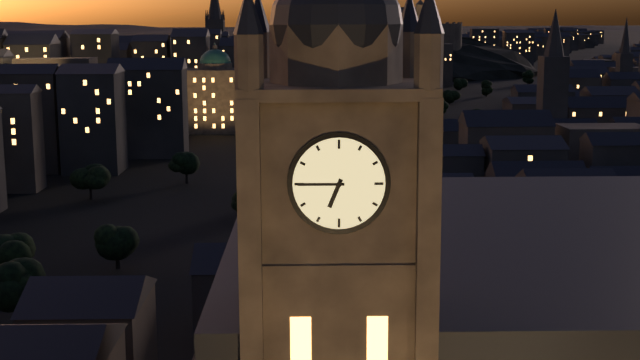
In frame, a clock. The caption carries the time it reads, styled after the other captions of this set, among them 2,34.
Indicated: 6,45
